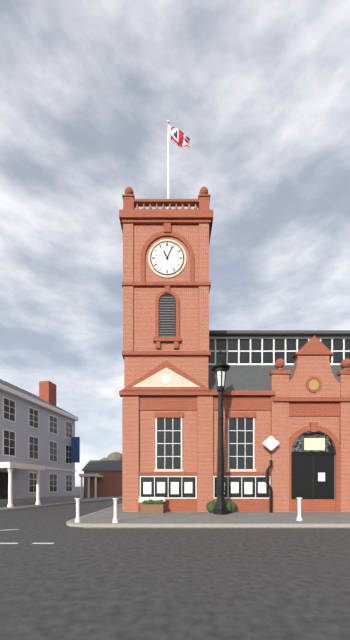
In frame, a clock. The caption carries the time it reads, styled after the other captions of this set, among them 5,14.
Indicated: 11,04
